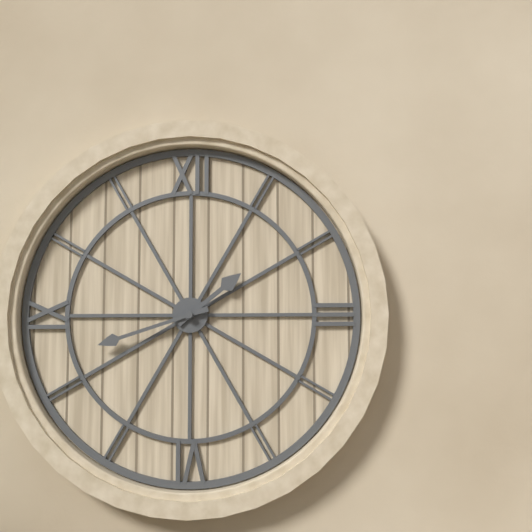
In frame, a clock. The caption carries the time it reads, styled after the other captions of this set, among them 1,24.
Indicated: 1,42
